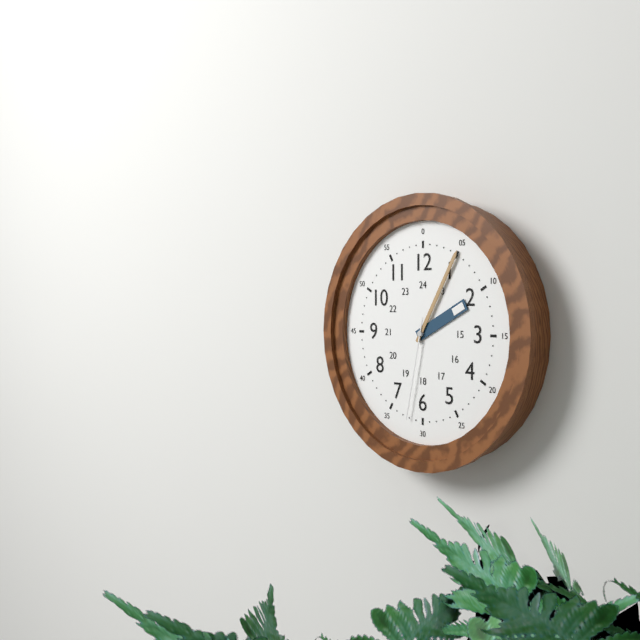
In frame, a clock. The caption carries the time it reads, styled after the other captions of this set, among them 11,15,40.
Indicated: 2,05,32
